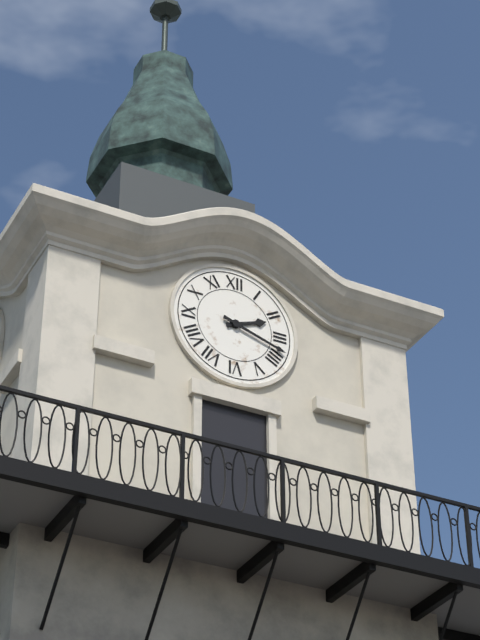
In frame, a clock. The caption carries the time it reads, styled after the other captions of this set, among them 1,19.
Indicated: 2,18
